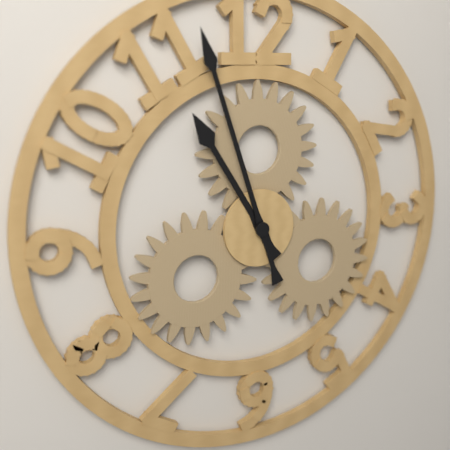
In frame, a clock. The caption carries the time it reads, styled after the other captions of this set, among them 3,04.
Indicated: 10,57
